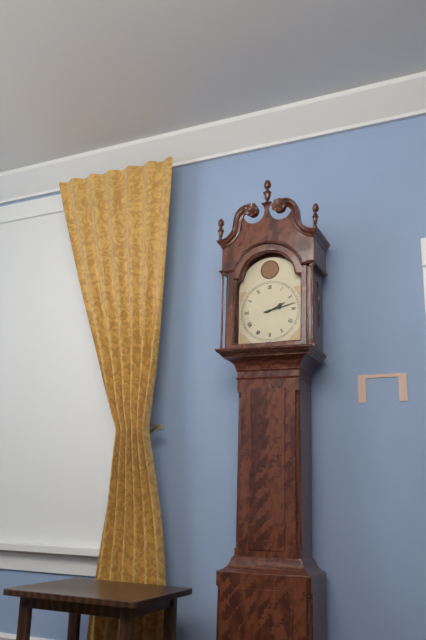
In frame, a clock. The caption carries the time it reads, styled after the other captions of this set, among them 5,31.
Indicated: 2,13
